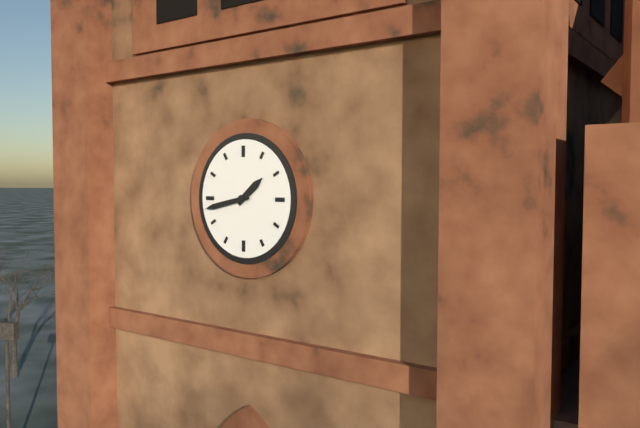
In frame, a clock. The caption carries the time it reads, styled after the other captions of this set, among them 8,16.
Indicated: 1,43
